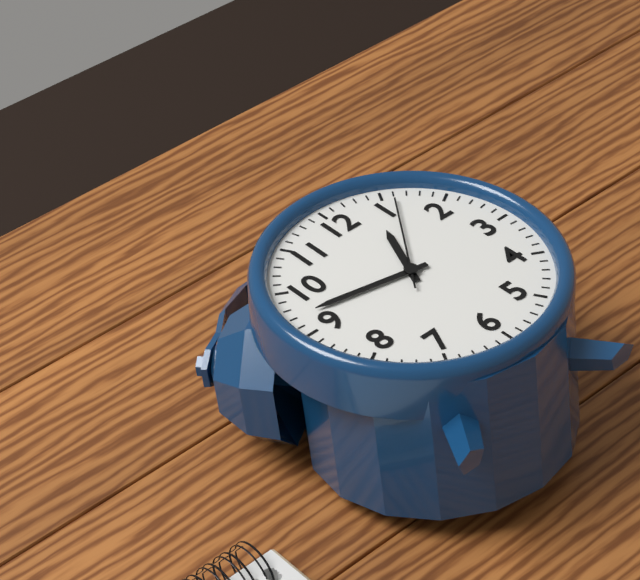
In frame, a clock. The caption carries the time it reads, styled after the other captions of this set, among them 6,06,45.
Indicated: 12,47,06
